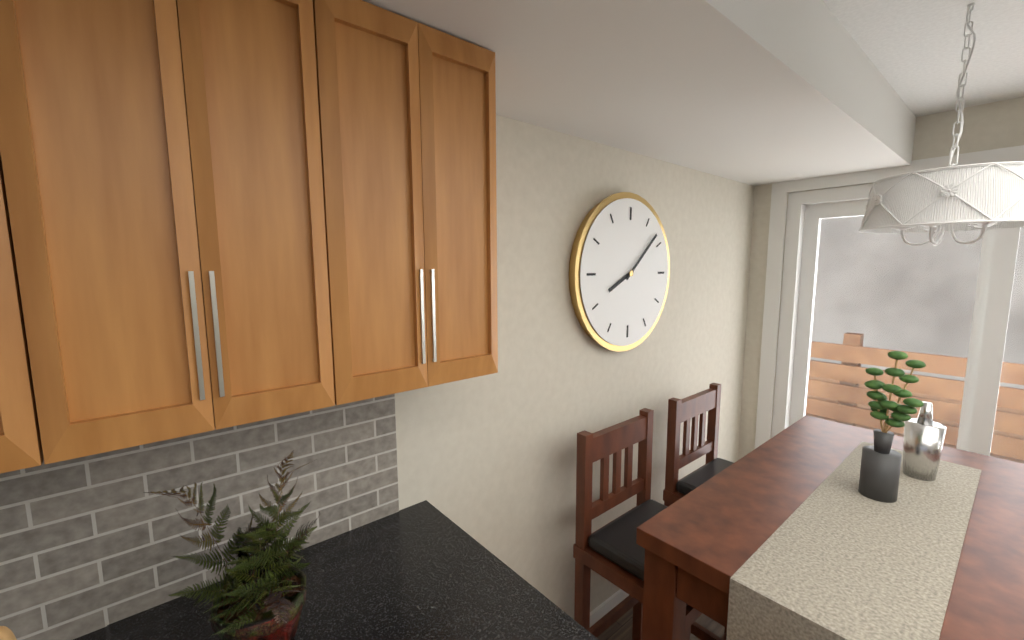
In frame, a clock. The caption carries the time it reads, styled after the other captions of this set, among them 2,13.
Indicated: 8,08
